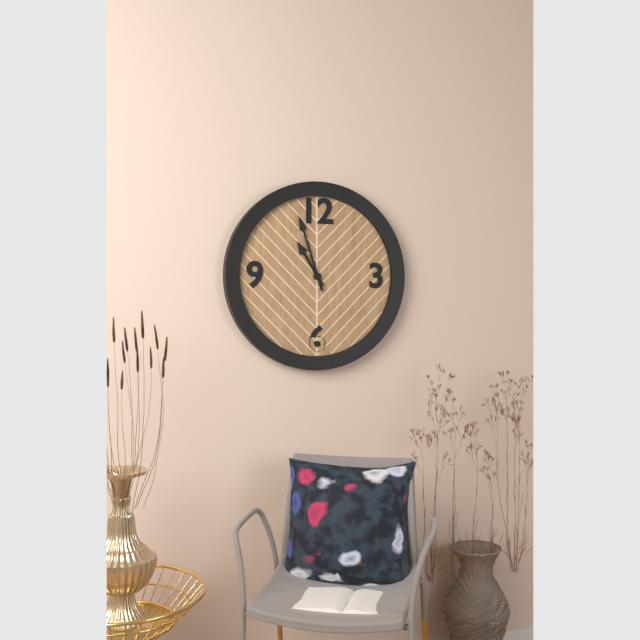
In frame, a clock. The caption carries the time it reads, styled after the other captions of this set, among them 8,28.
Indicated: 10,57
